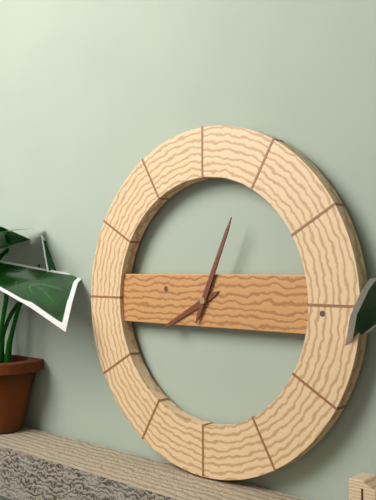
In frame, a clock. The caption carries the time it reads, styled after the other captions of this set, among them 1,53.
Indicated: 8,04
